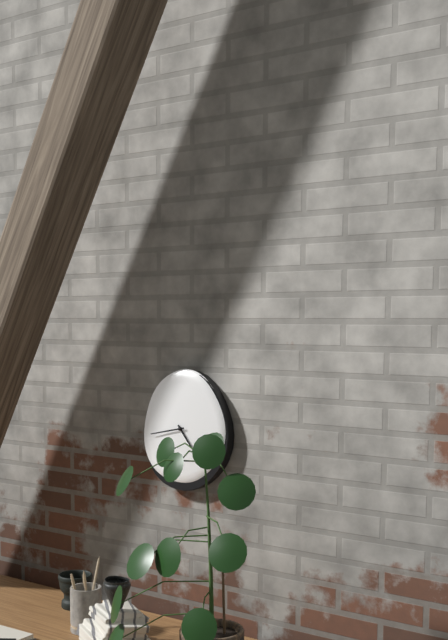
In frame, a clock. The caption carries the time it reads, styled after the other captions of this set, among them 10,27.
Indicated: 4,43
